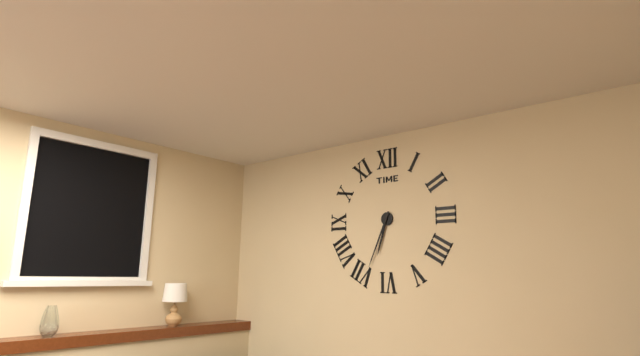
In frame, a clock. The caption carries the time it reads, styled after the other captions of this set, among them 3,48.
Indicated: 6,34
